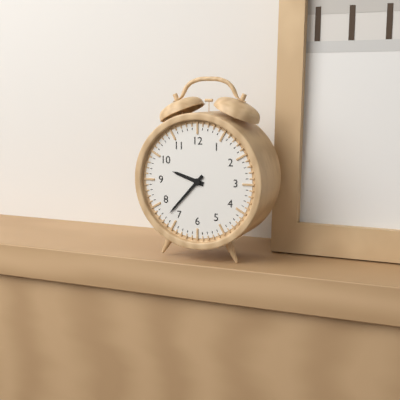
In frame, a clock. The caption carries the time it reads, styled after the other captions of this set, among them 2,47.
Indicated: 9,37
